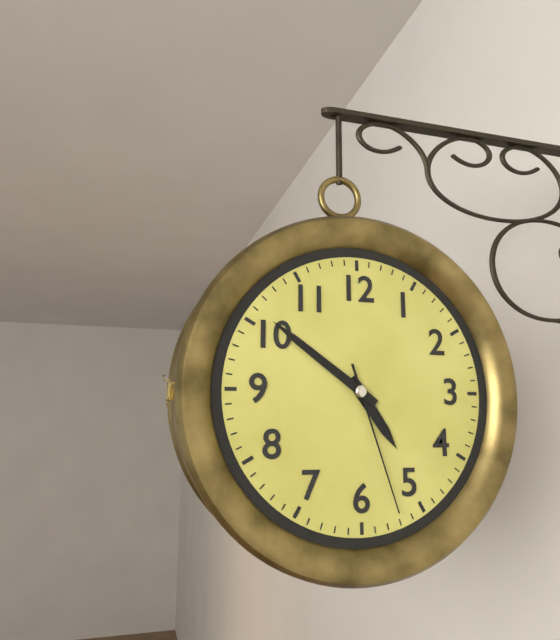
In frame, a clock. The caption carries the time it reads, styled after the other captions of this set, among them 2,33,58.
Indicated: 4,51,27
